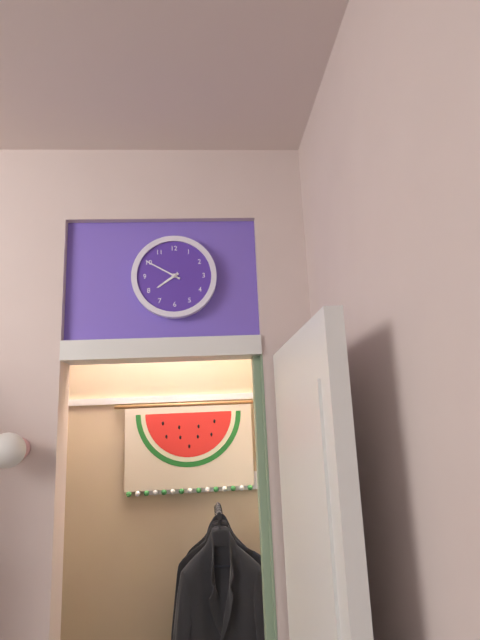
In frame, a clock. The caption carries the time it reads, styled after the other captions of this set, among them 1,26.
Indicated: 7,50
